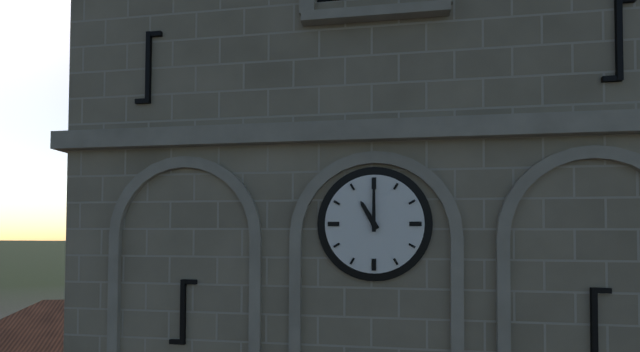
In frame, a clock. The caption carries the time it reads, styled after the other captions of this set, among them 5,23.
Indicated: 11,00
